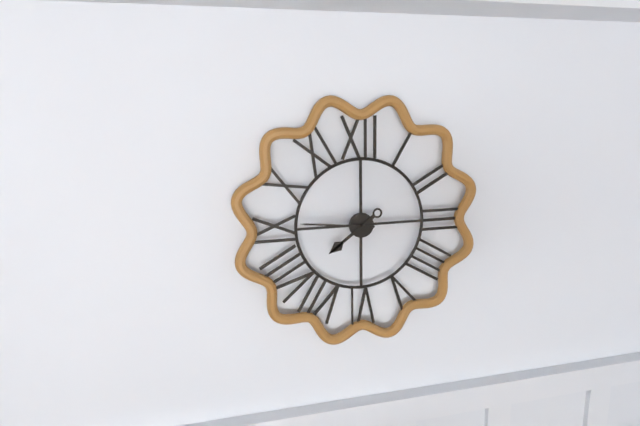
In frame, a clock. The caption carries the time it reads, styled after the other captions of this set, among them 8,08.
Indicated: 7,46
